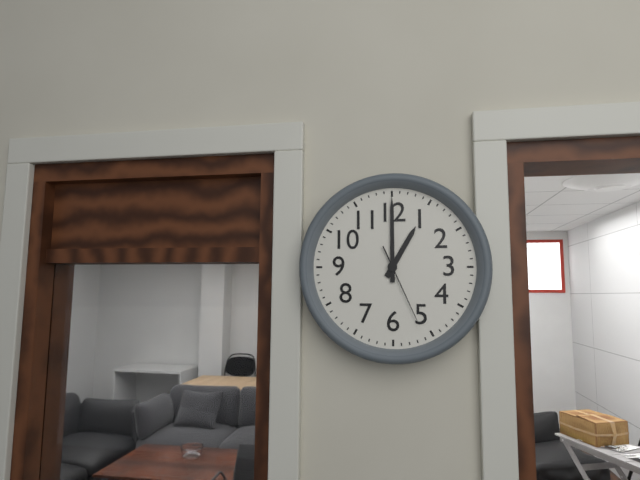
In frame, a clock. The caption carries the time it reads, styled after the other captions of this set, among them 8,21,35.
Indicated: 1,00,26
